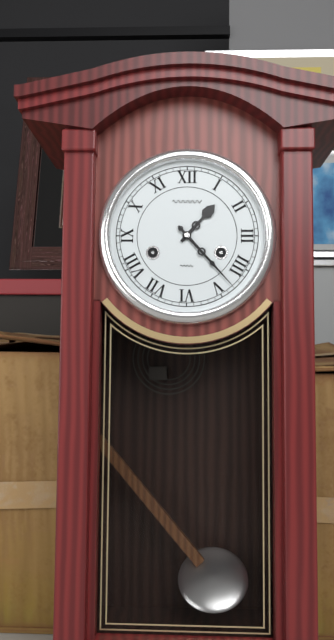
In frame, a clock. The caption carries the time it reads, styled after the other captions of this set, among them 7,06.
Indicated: 1,23
